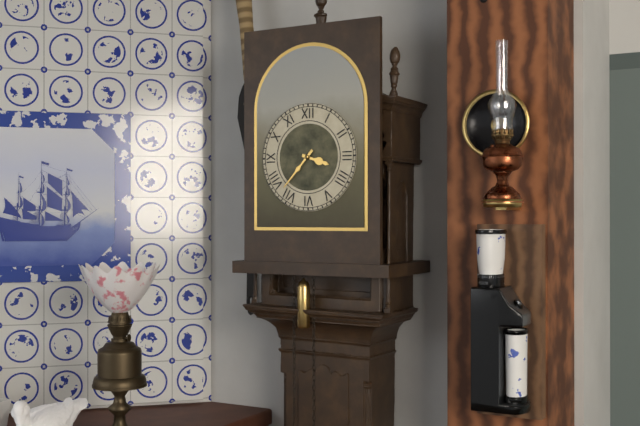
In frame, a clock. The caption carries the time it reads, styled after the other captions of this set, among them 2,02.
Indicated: 3,37
